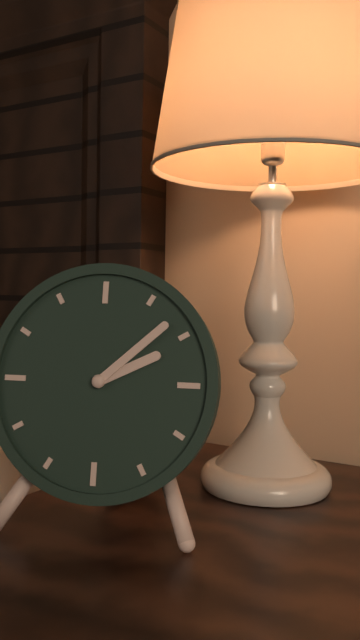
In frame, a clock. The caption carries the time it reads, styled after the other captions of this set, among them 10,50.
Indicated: 2,08
